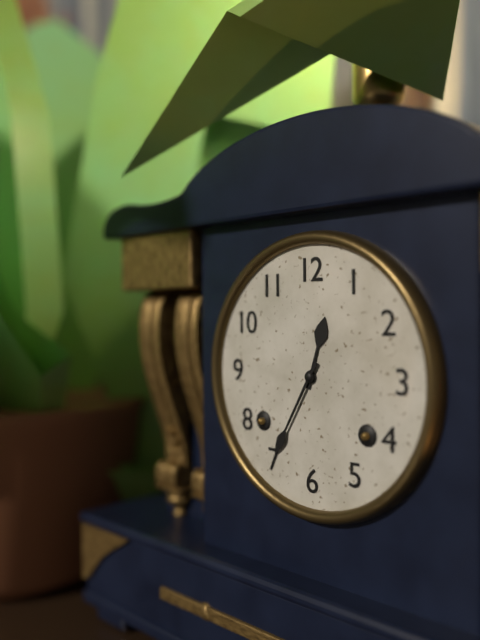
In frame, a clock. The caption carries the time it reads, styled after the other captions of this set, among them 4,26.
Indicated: 12,35
